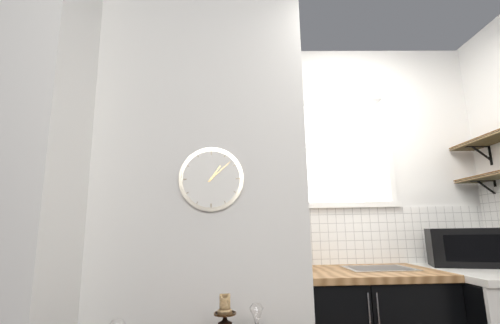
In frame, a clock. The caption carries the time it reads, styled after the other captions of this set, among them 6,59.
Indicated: 1,08
